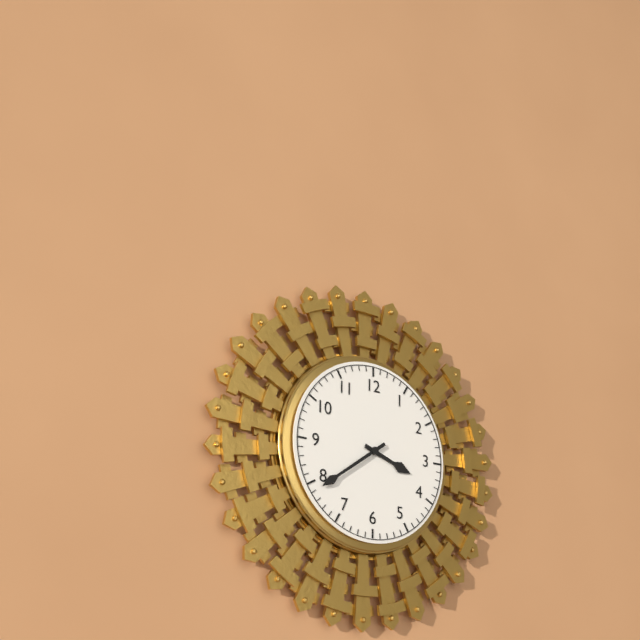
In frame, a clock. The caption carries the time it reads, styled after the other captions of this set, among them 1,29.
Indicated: 3,39
